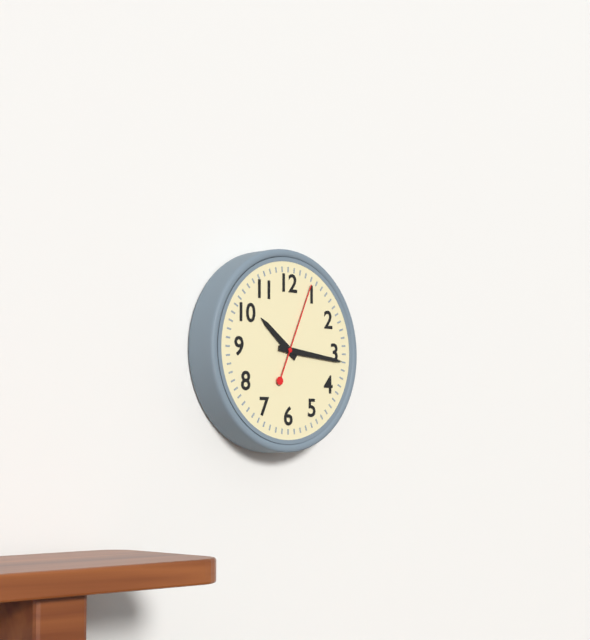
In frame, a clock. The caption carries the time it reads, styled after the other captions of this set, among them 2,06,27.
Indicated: 10,16,04
